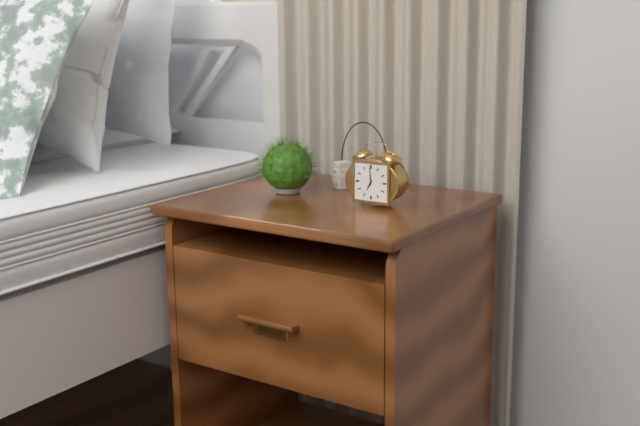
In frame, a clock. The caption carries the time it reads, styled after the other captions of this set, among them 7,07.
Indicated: 6,59
